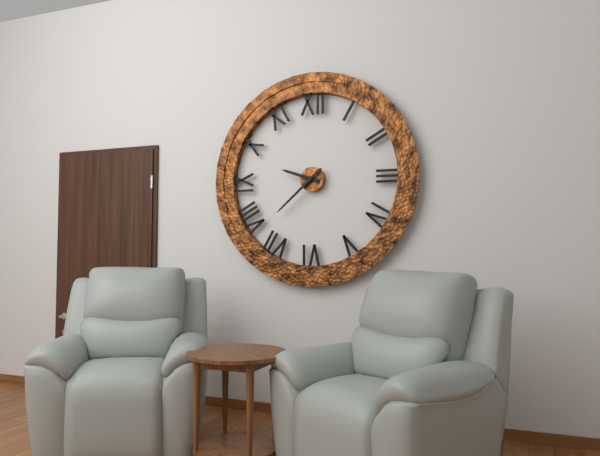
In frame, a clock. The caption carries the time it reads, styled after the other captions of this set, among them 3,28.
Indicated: 9,38
